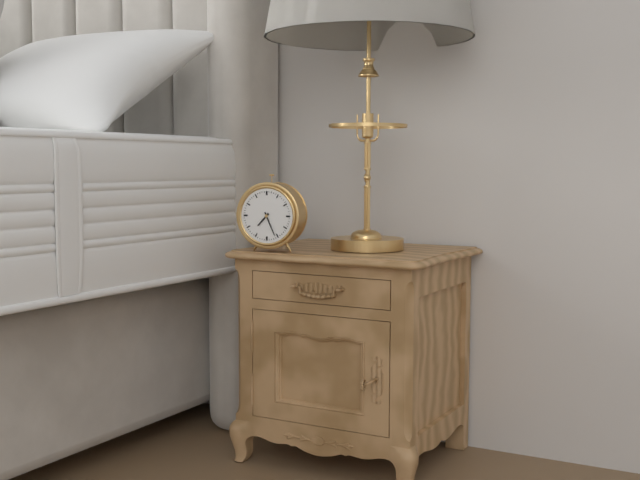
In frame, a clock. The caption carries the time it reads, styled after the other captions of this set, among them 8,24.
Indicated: 7,26
